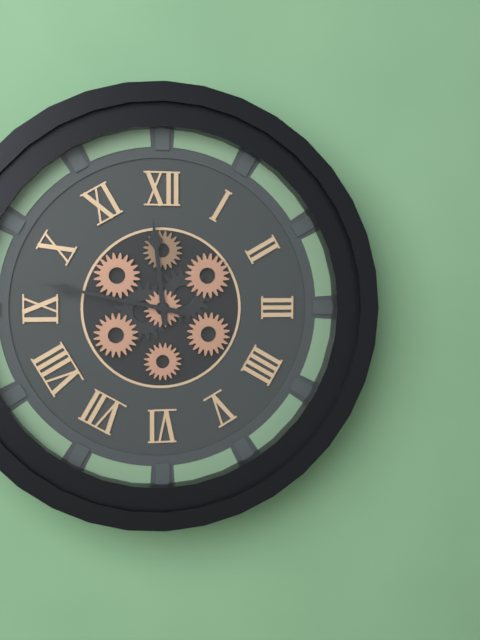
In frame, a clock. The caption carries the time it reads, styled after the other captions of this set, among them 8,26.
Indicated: 11,47
